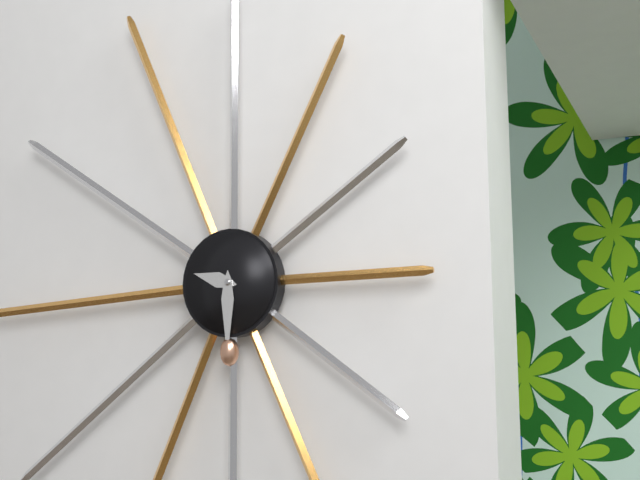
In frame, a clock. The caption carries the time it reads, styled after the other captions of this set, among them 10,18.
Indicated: 9,30
